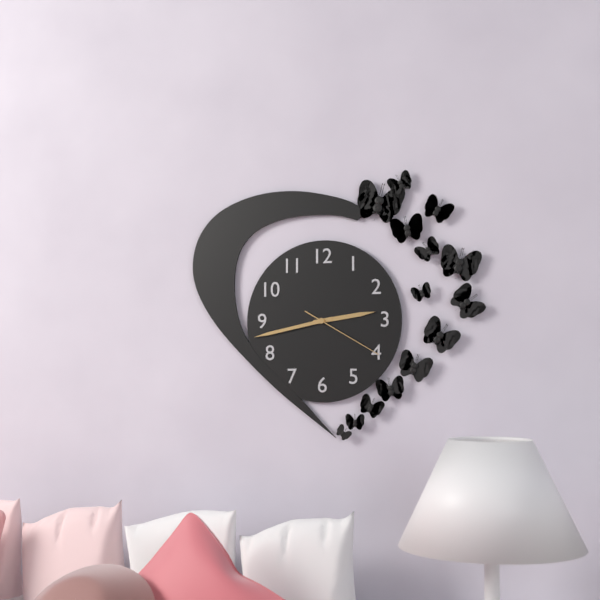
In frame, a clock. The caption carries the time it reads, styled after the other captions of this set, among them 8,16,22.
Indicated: 2,43,20
